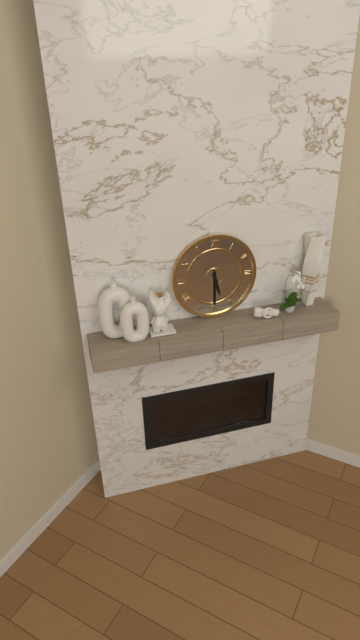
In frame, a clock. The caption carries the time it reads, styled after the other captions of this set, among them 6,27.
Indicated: 5,30
